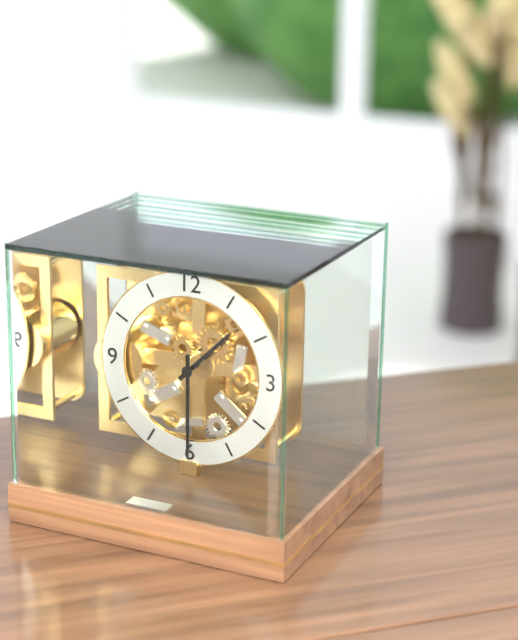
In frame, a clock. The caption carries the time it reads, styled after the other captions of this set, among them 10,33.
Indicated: 1,30
